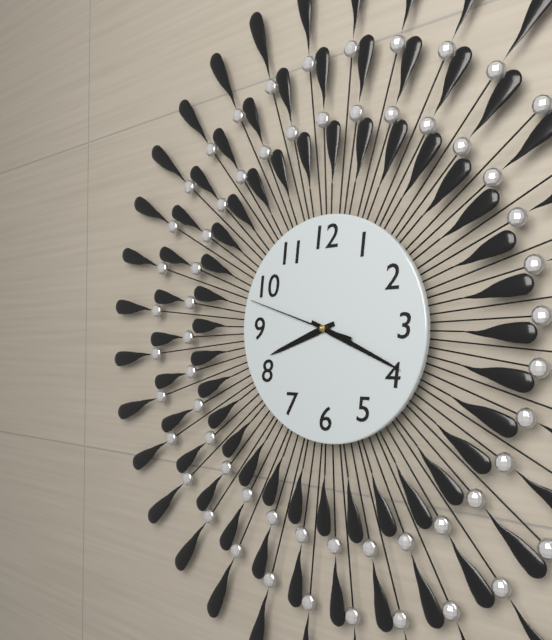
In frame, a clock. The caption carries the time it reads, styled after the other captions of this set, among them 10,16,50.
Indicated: 8,19,48
